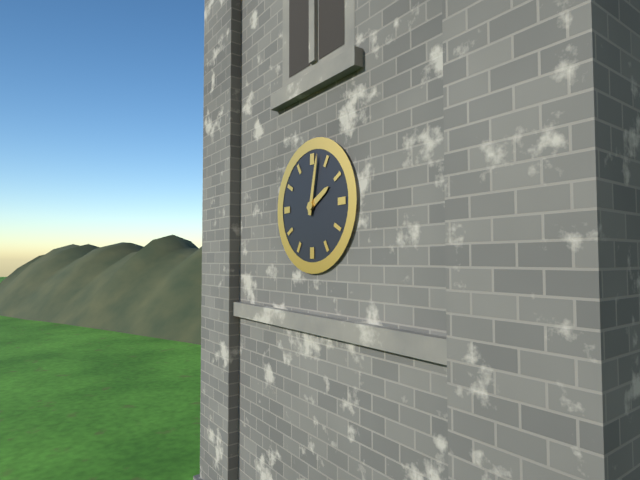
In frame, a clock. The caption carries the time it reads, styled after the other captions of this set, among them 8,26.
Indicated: 2,02
